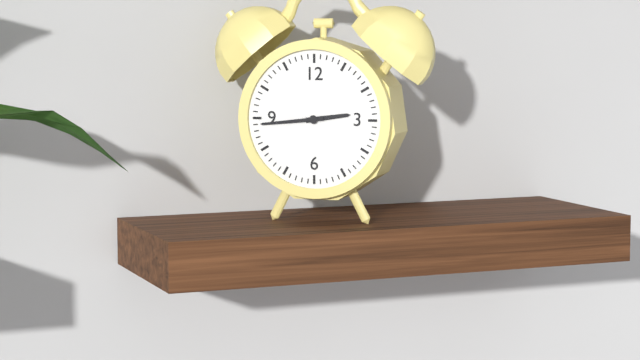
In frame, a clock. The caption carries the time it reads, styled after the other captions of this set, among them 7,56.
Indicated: 2,44
